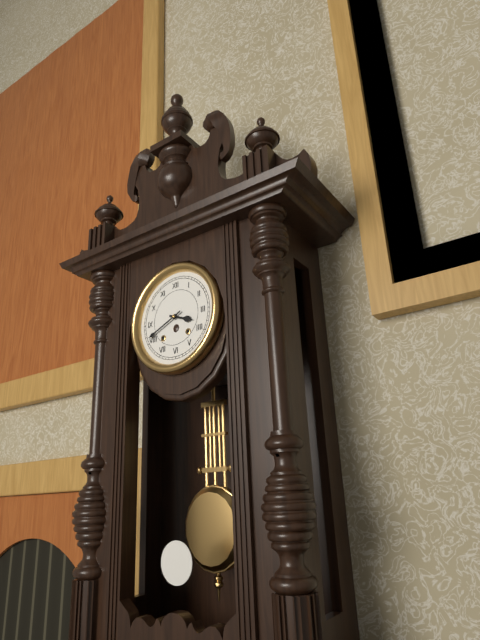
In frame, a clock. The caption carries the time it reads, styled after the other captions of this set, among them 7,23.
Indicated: 3,41
